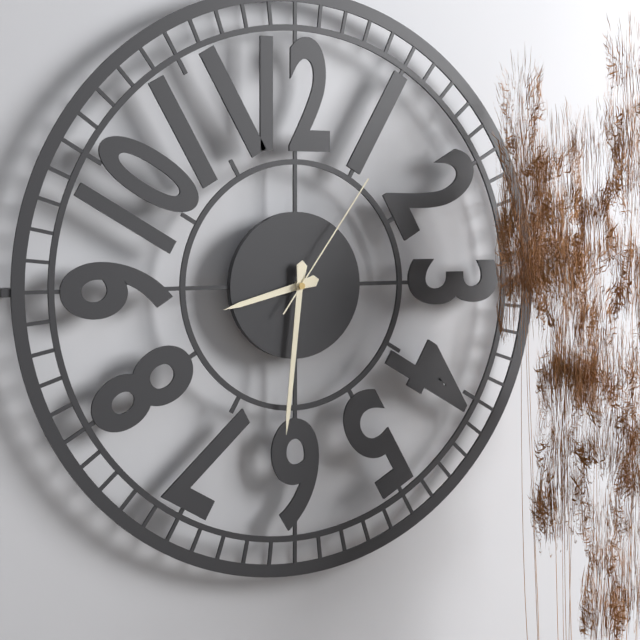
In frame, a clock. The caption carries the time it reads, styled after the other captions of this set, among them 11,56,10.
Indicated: 8,31,06
